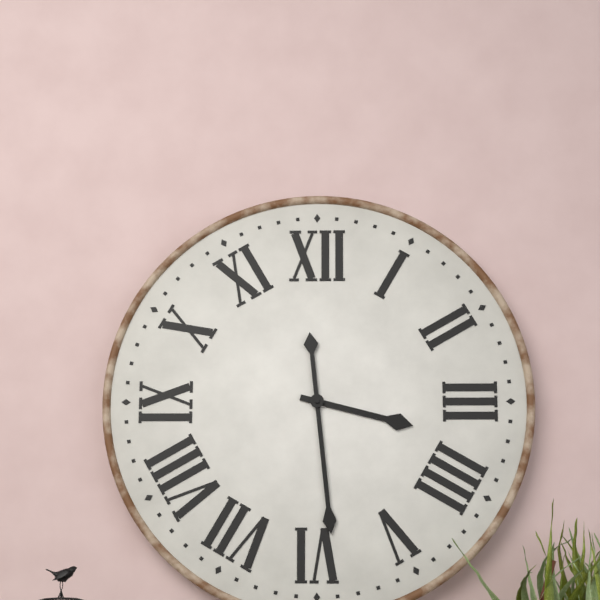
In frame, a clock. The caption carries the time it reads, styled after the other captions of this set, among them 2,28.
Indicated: 3,29
